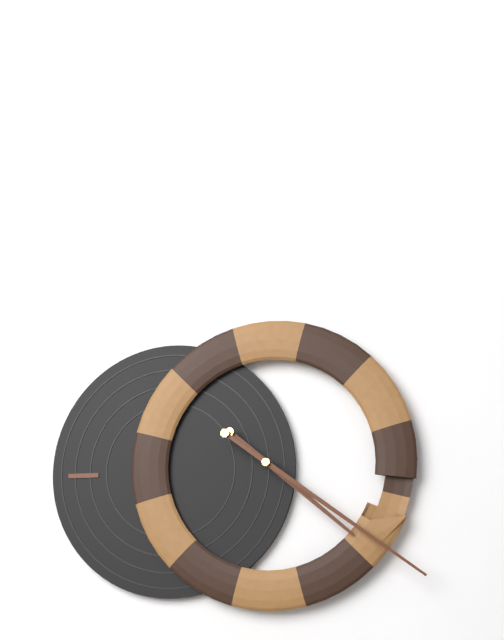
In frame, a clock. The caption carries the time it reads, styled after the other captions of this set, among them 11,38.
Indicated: 4,21
